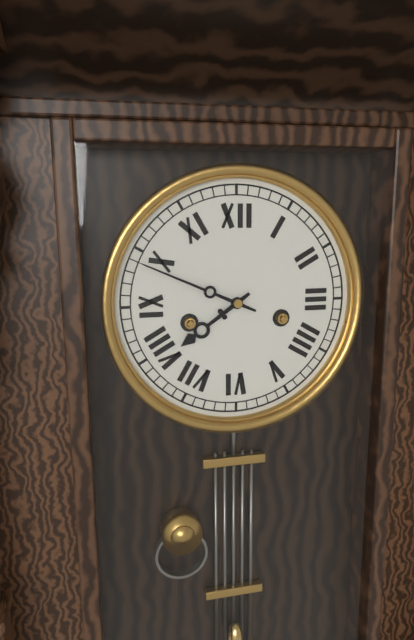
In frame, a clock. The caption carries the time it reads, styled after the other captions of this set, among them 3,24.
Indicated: 7,49
